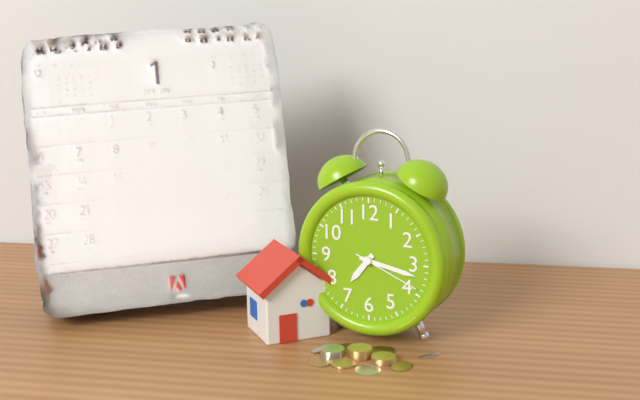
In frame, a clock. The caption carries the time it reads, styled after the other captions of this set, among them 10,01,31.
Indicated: 7,17,19
